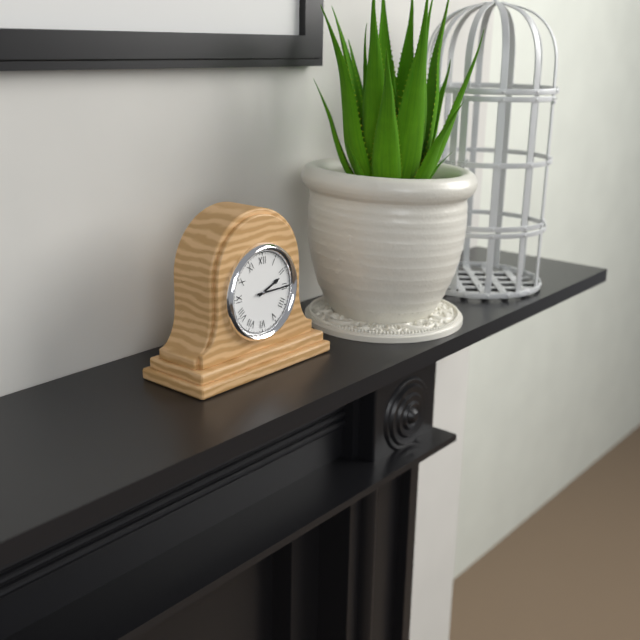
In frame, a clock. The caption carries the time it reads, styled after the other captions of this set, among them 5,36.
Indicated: 2,15
